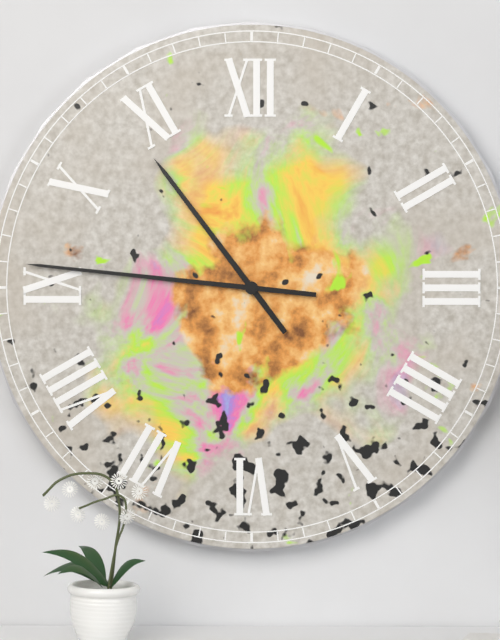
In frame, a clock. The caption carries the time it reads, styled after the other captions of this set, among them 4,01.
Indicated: 10,46
